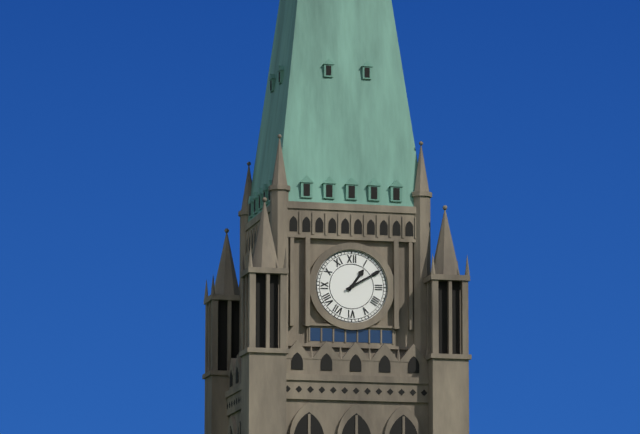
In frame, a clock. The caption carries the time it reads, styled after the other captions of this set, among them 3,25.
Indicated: 1,10
